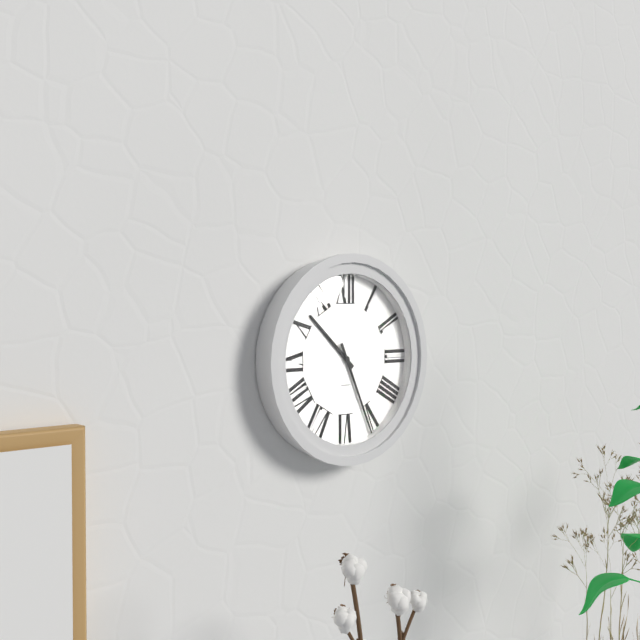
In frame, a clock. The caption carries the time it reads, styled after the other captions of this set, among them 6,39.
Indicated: 10,26
